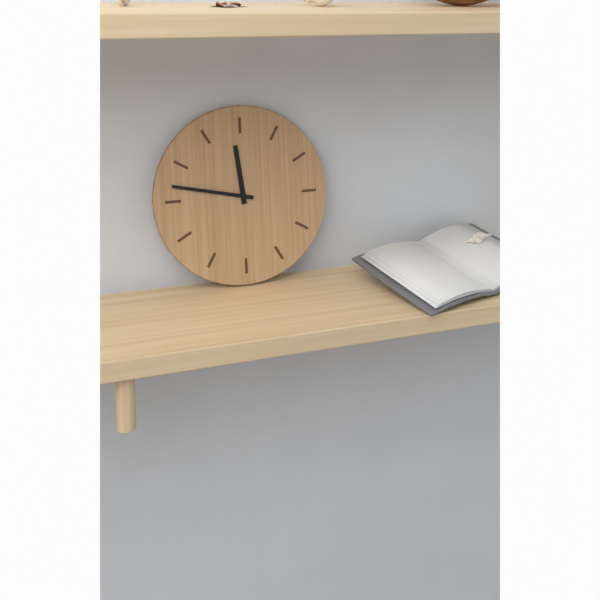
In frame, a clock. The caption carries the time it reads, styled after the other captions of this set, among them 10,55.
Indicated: 11,47
